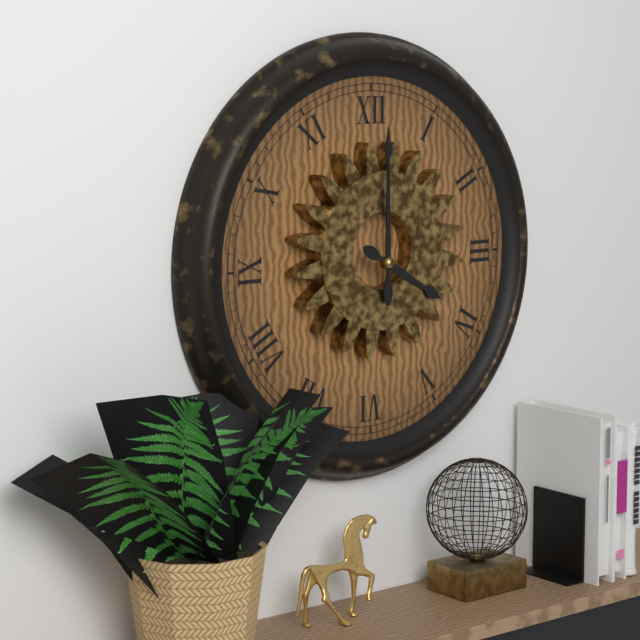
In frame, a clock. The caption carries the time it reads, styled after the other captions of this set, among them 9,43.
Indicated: 4,00
